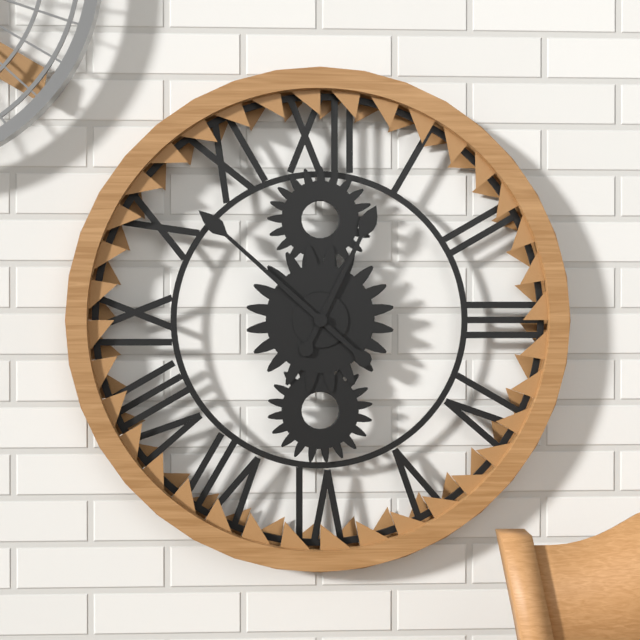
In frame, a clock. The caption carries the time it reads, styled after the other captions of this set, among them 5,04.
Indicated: 12,52
